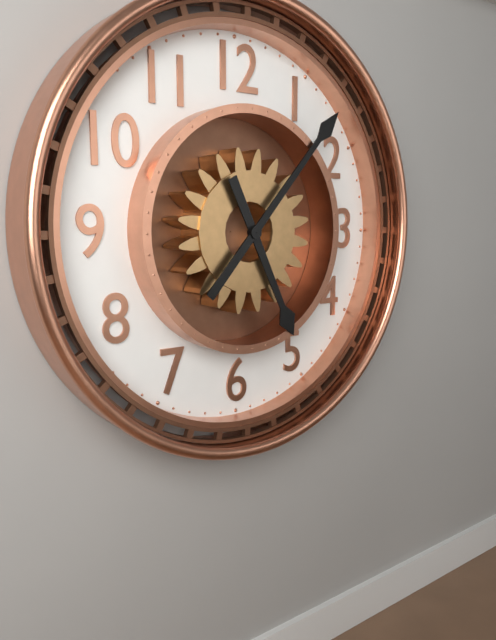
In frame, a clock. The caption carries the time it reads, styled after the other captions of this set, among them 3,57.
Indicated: 5,07
